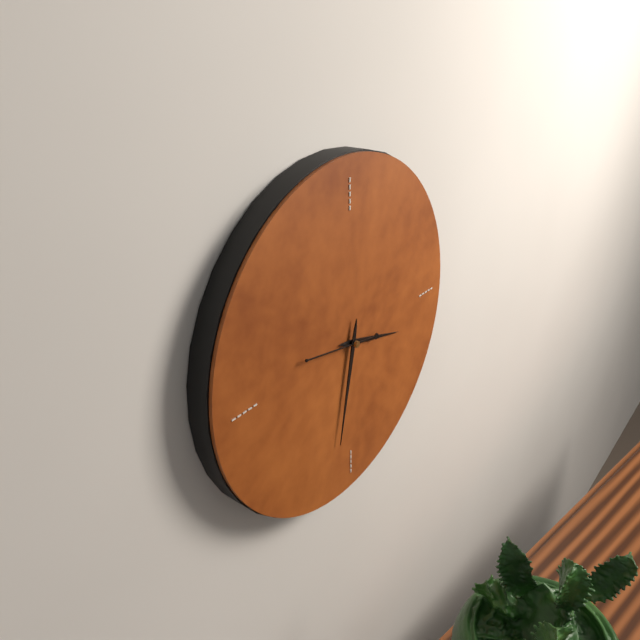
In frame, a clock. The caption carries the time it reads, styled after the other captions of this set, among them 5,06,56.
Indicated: 3,32,47
